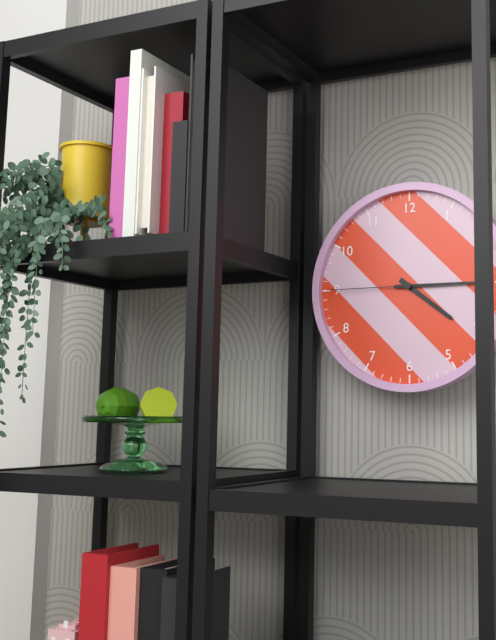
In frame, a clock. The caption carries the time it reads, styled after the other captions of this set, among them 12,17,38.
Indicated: 4,15,45
